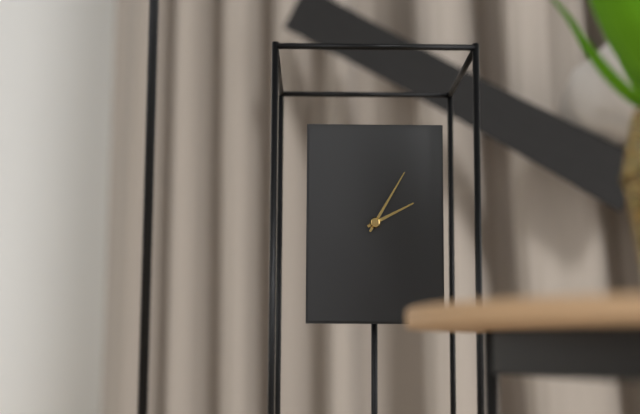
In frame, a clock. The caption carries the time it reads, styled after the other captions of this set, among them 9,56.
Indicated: 2,05
